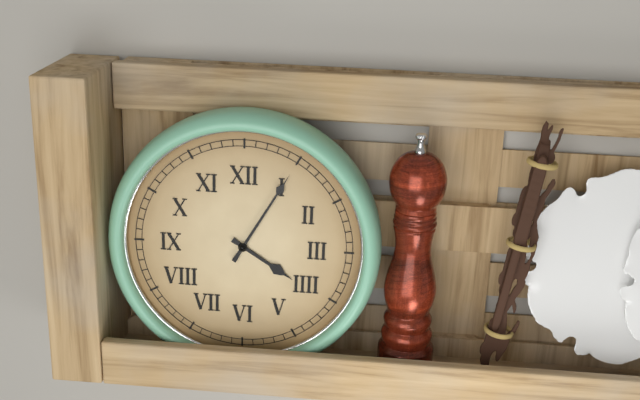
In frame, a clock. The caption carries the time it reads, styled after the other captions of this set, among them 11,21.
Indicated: 4,05
